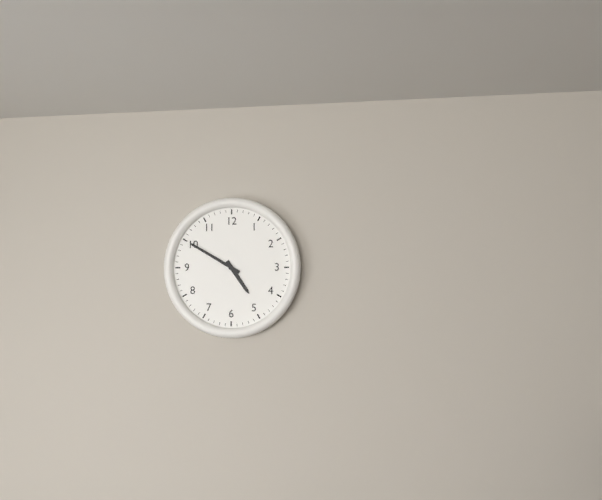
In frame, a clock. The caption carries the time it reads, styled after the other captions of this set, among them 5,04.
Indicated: 4,50
